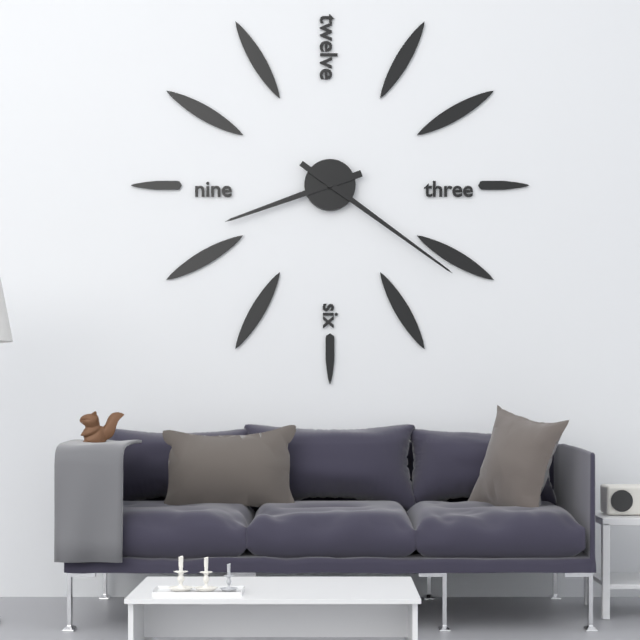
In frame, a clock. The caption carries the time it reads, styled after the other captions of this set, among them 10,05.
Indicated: 8,21
